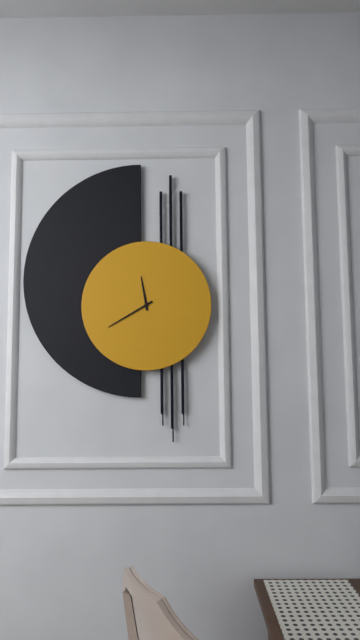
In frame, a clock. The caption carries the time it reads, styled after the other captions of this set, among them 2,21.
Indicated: 11,40
